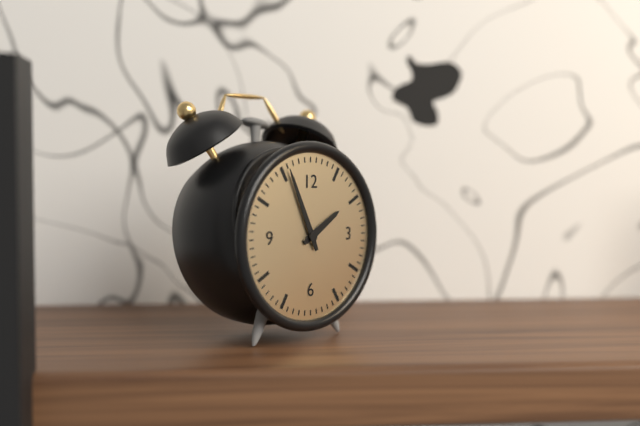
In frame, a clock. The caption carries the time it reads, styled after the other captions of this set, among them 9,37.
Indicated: 1,56
